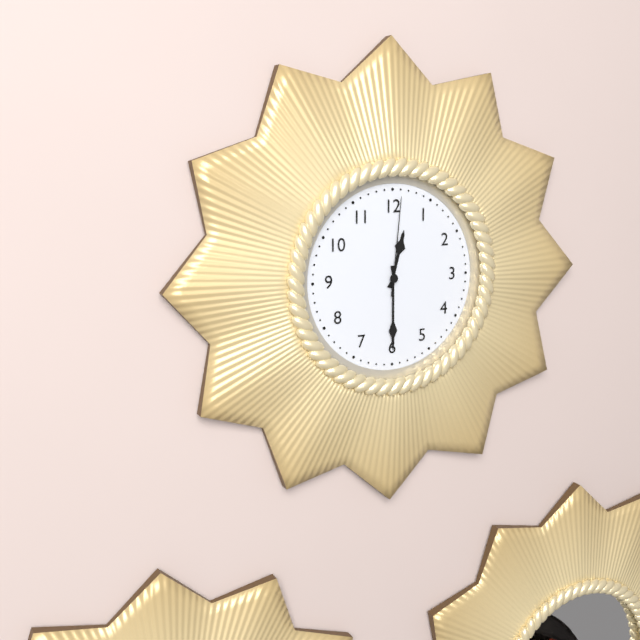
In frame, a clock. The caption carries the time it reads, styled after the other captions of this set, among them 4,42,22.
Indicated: 12,30,01
